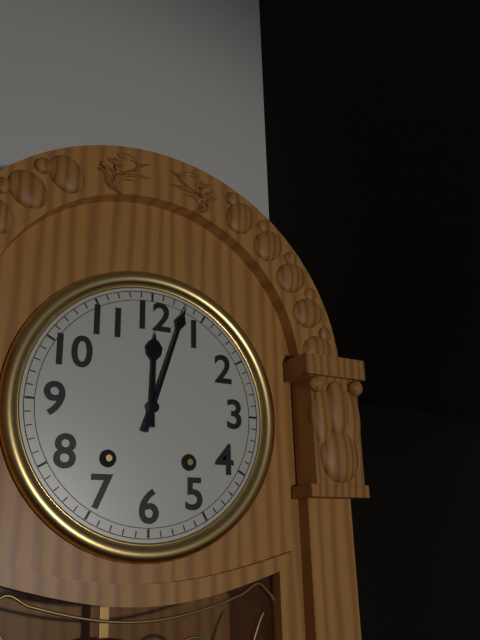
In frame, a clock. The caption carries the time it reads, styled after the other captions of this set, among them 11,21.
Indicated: 12,03
